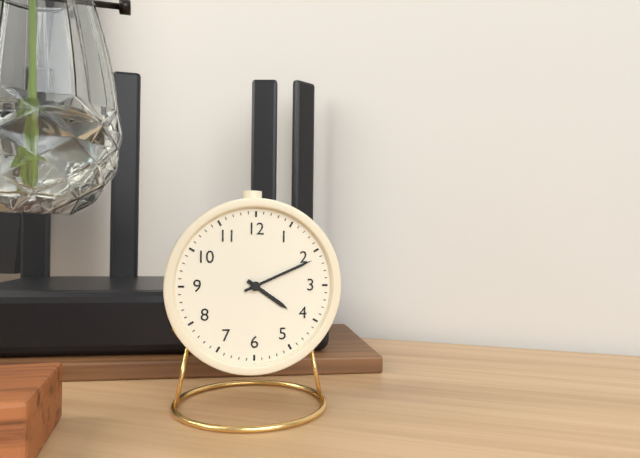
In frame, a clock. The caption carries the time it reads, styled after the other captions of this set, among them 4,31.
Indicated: 4,11
